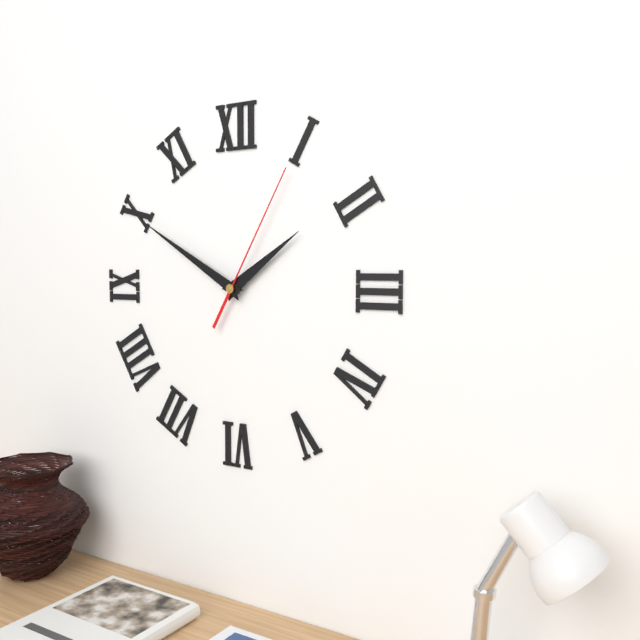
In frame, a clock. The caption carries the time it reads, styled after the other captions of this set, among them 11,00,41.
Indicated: 1,50,05
